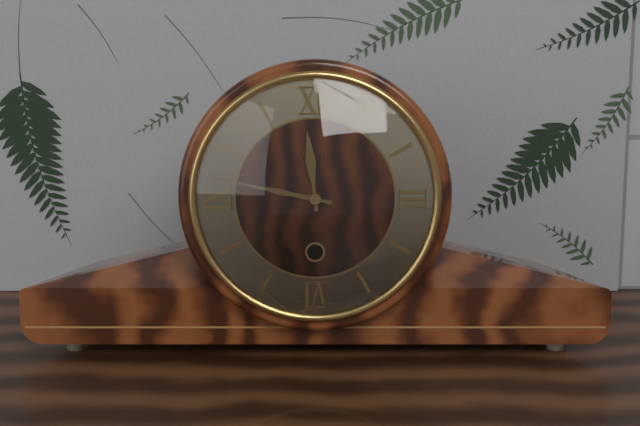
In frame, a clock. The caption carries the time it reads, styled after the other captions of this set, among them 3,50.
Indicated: 11,47
